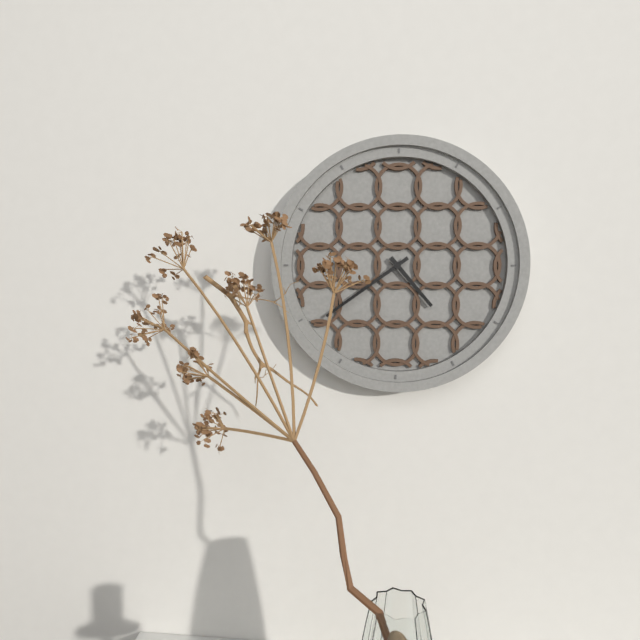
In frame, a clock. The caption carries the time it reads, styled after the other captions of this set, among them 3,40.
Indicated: 4,39
